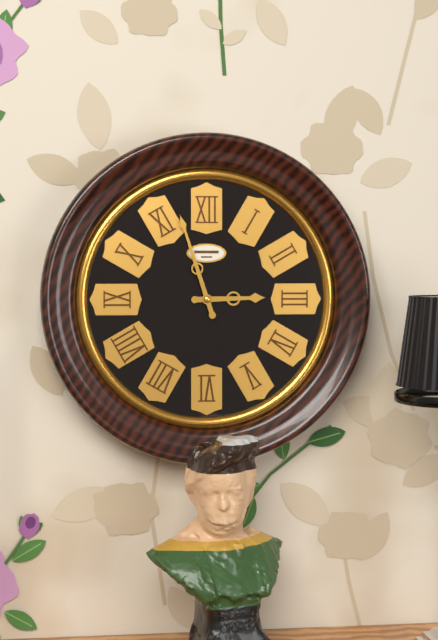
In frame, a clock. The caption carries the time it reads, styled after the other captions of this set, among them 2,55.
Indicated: 2,57
